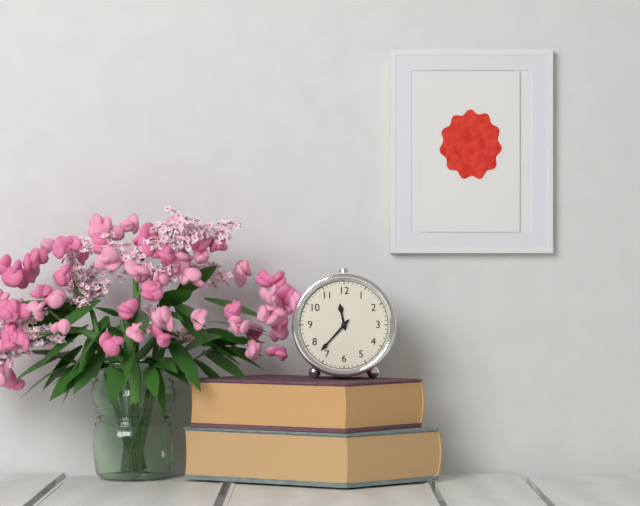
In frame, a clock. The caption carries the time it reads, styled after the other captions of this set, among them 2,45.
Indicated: 11,37
